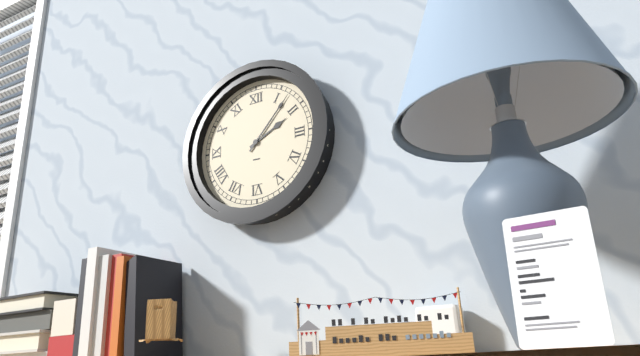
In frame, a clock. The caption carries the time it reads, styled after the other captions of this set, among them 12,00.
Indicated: 2,07
